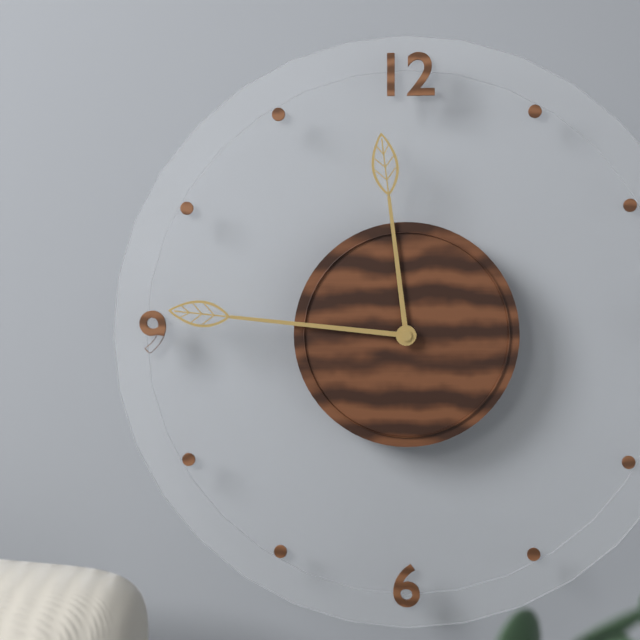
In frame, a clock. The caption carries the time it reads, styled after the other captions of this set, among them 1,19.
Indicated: 11,46
